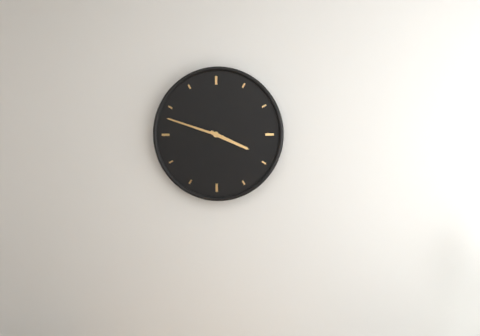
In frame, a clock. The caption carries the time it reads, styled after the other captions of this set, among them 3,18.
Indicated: 3,48
